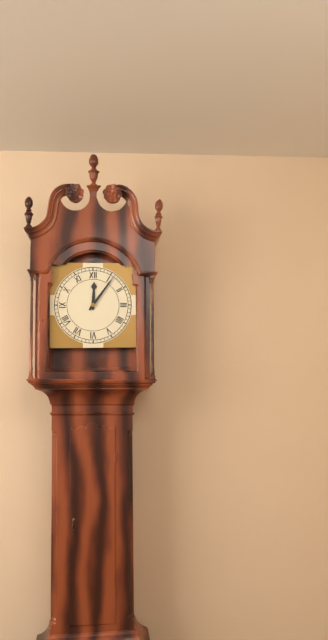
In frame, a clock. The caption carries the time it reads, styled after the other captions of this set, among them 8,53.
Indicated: 12,06
